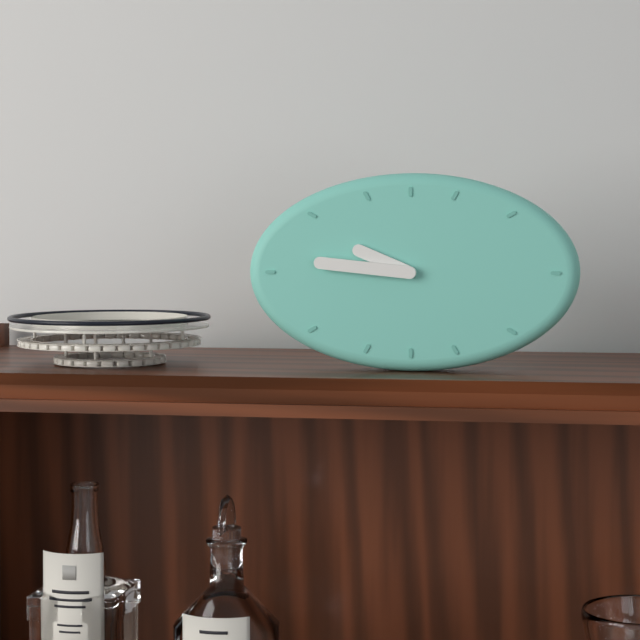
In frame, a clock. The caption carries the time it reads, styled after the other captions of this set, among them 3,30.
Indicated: 9,46
